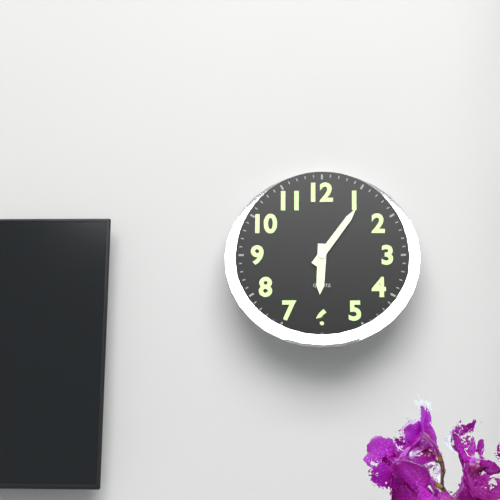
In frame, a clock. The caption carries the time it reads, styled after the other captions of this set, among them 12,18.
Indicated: 6,06
